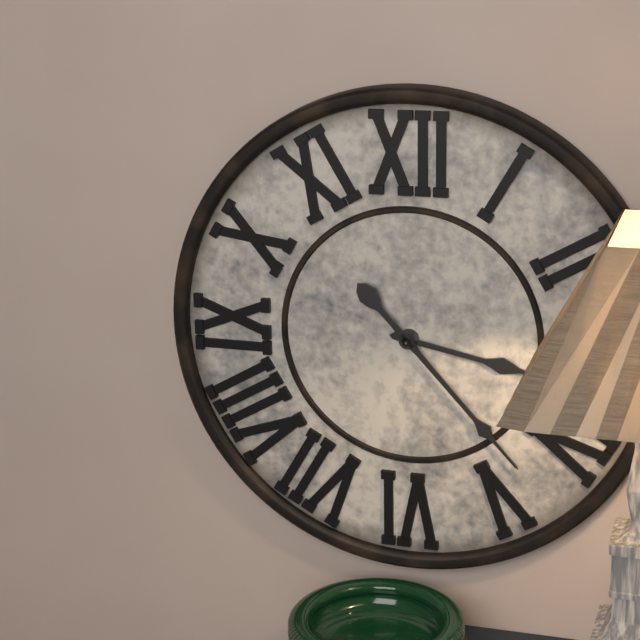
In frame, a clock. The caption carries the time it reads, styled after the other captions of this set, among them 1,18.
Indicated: 3,23
